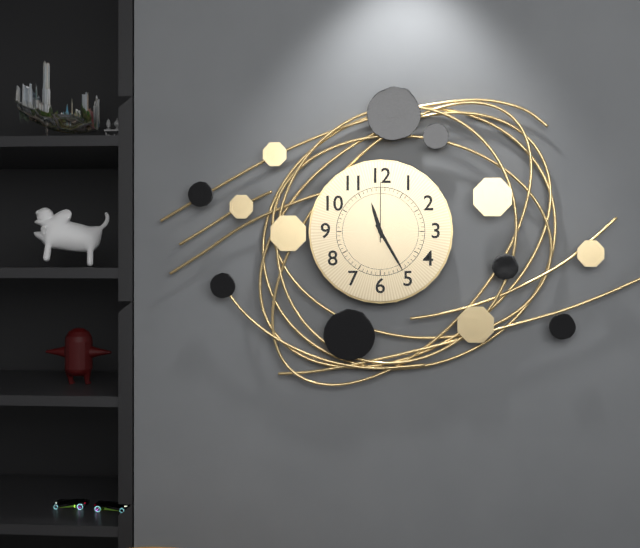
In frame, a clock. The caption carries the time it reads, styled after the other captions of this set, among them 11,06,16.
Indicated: 11,25,00
